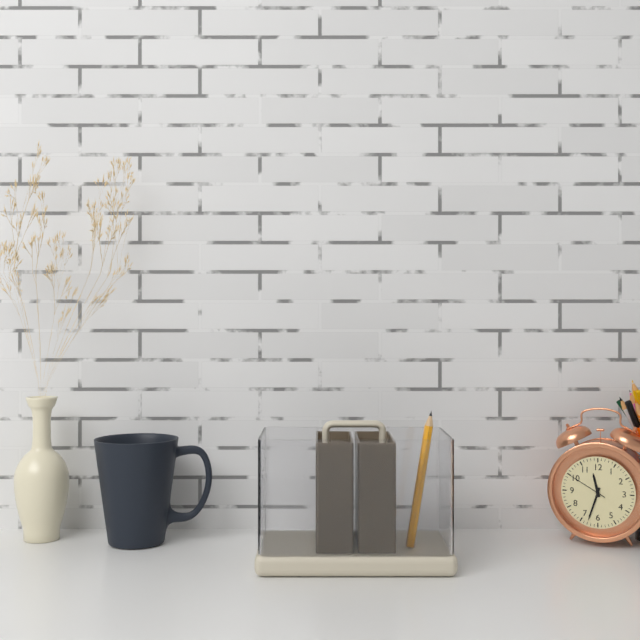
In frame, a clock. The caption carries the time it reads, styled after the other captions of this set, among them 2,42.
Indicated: 11,33
